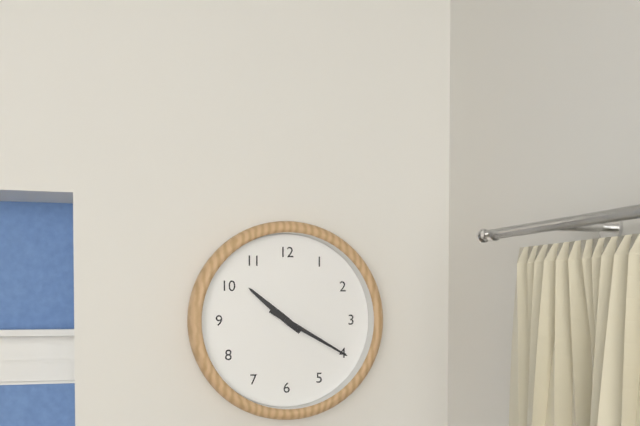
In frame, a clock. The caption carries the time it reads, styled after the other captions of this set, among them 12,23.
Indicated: 10,20
